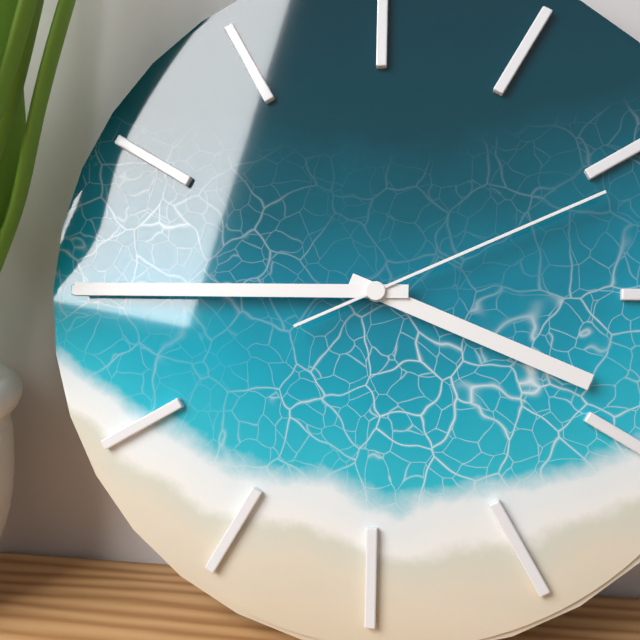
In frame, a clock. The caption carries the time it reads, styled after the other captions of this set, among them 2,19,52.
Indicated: 3,45,11
